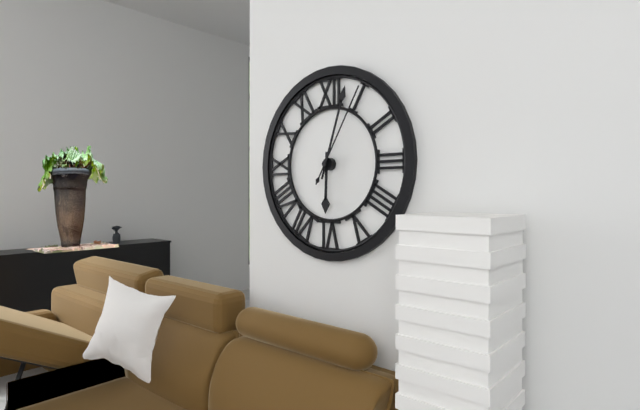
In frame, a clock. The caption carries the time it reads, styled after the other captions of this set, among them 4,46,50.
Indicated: 6,03,05
